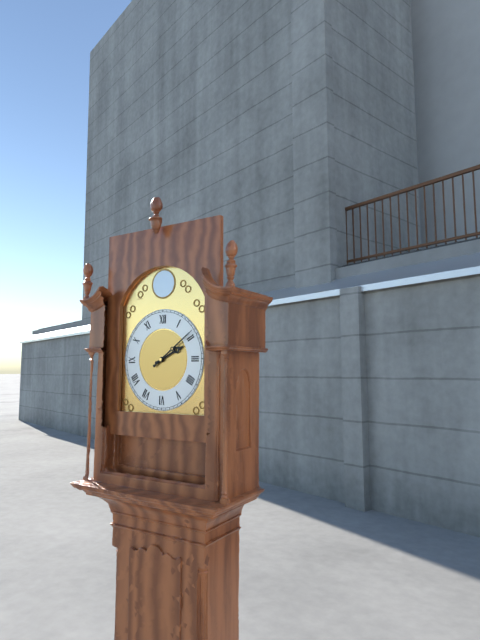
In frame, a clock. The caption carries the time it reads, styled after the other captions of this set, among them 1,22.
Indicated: 2,09
